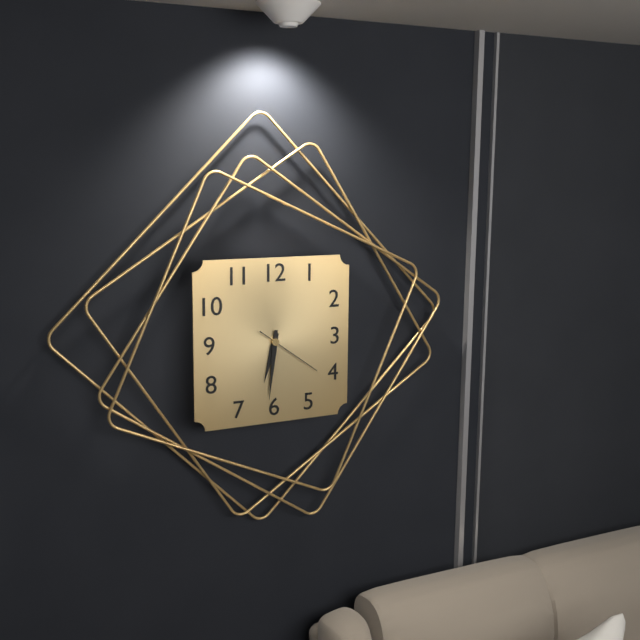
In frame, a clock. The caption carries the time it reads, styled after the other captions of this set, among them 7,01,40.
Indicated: 6,31,21
